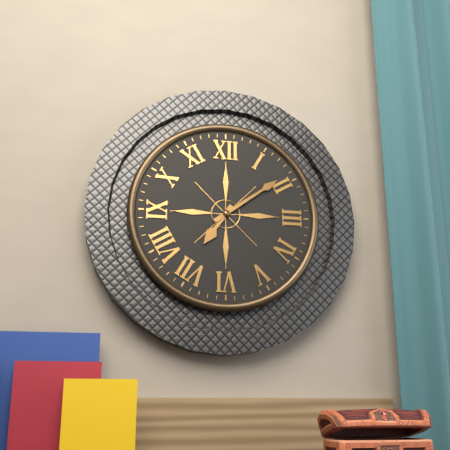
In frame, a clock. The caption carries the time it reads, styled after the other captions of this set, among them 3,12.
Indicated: 7,09
